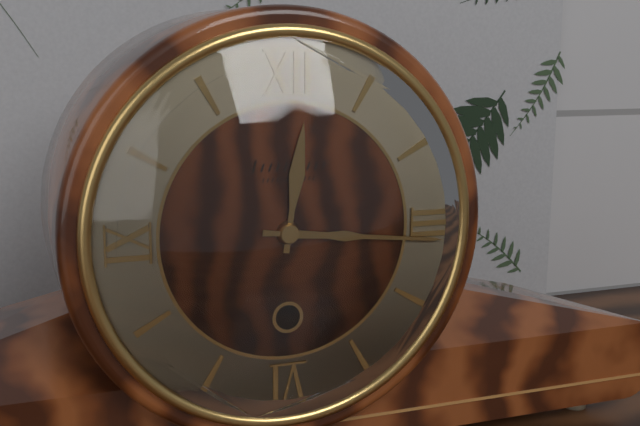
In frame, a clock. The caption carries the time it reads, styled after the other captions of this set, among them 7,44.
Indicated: 12,16
